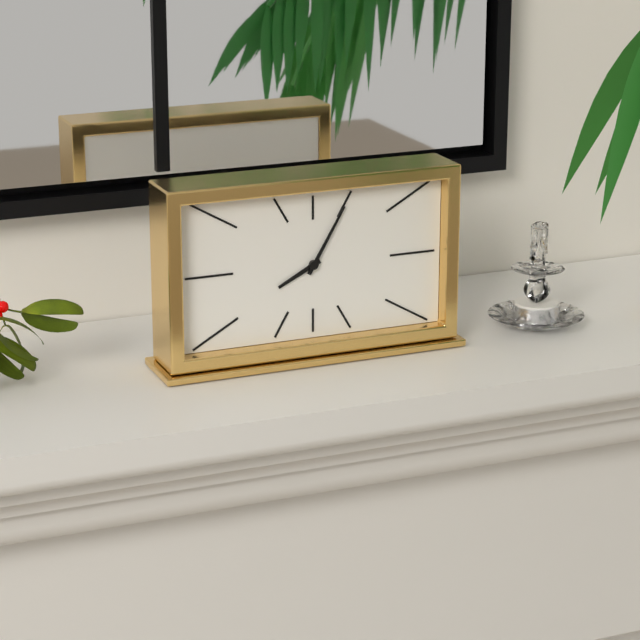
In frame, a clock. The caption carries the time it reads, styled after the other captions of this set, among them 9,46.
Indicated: 8,05
